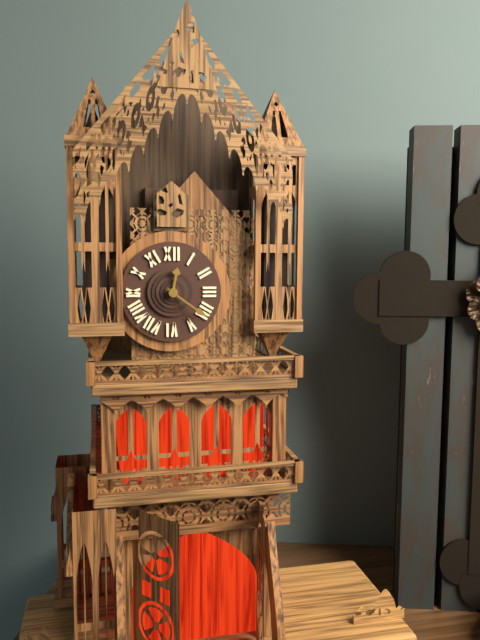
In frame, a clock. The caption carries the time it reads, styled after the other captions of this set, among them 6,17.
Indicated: 12,21
